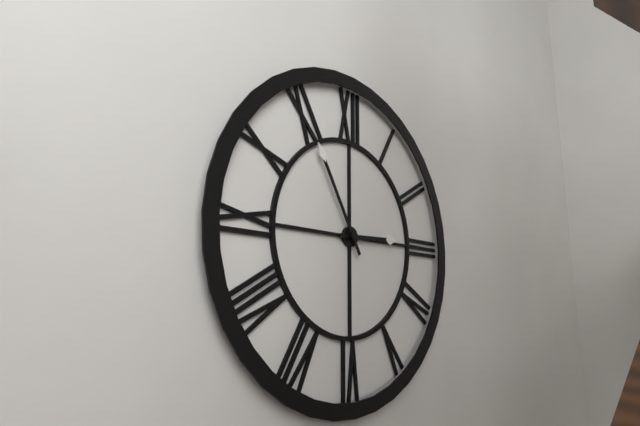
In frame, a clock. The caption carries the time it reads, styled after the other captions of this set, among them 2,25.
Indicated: 2,55
